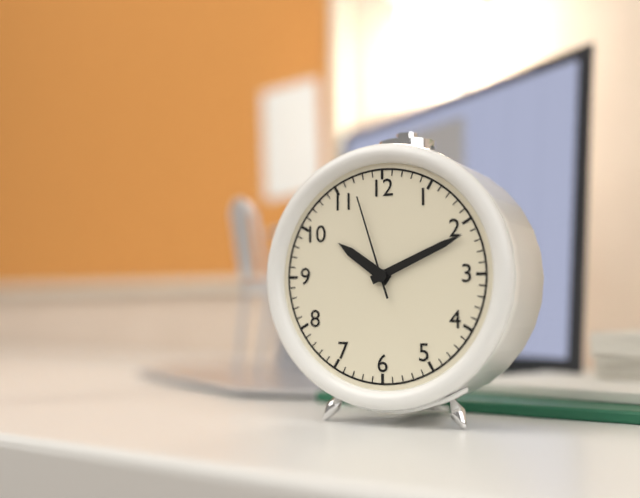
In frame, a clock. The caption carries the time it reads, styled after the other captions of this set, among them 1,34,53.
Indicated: 10,11,57
